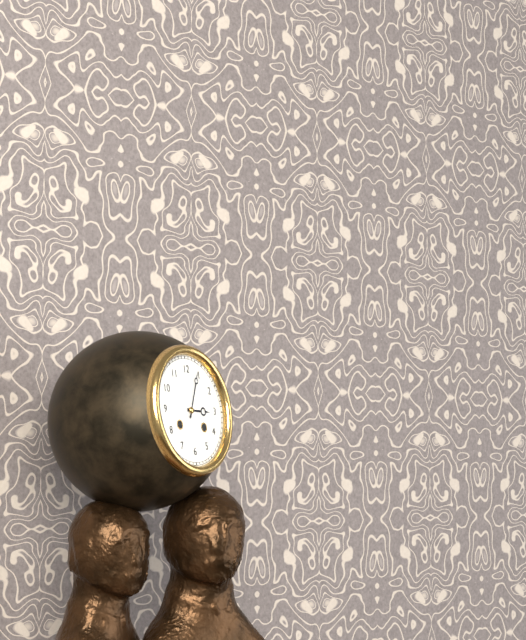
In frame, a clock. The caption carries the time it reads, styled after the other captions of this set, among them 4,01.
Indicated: 3,04
